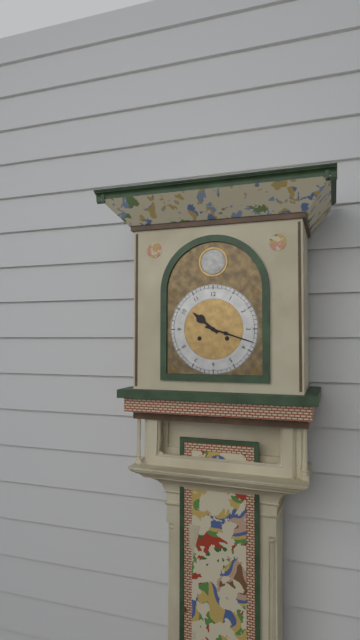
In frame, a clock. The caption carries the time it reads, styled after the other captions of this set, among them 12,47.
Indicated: 10,18
